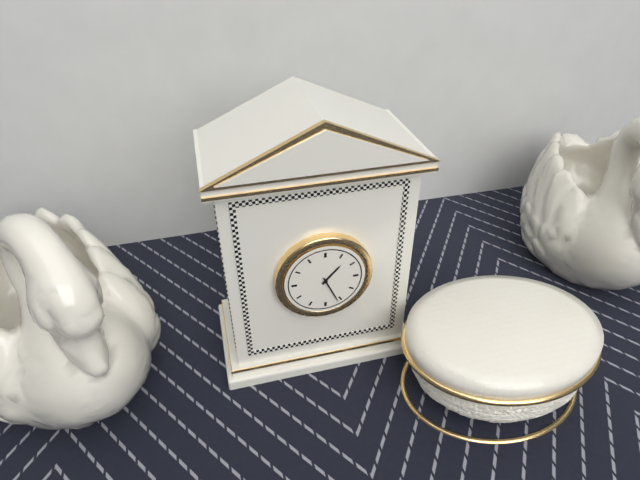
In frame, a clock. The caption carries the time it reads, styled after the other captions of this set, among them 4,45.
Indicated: 1,26
